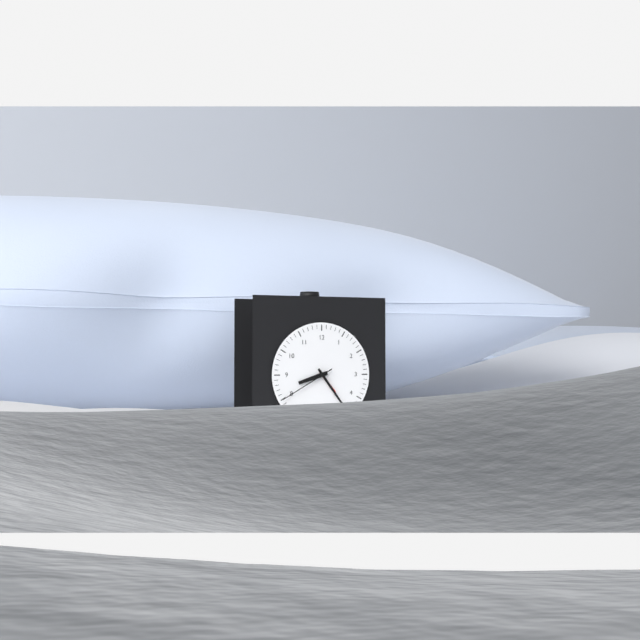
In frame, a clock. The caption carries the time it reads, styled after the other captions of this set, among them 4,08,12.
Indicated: 8,24,40
